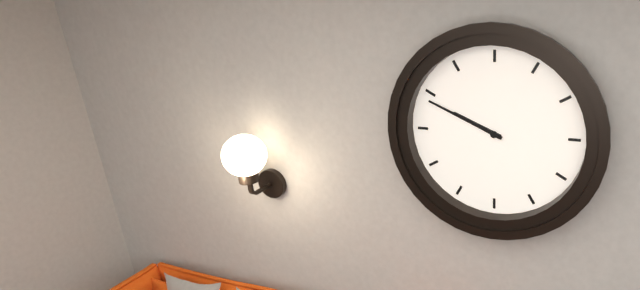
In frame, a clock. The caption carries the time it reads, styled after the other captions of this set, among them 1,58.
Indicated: 9,49
